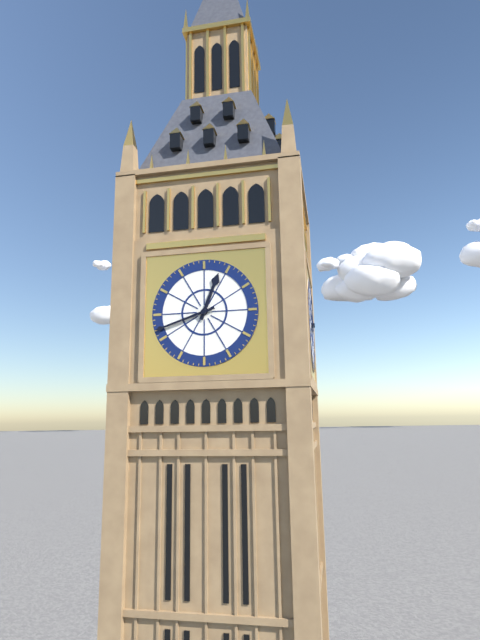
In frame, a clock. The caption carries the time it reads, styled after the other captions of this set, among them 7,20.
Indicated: 12,42
